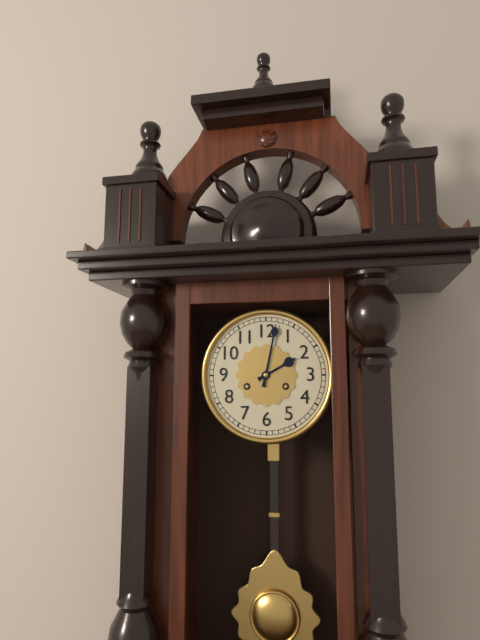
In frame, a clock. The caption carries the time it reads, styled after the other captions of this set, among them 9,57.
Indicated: 2,02
